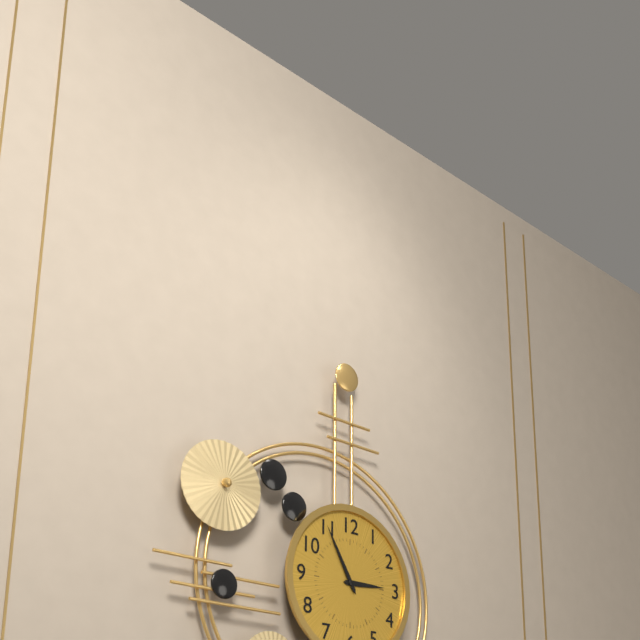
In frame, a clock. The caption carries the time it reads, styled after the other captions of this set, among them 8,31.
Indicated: 2,55
